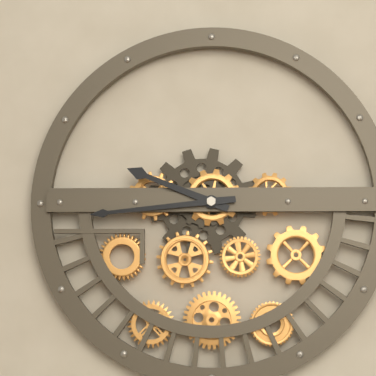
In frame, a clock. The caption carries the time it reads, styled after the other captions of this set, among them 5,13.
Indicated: 9,44
